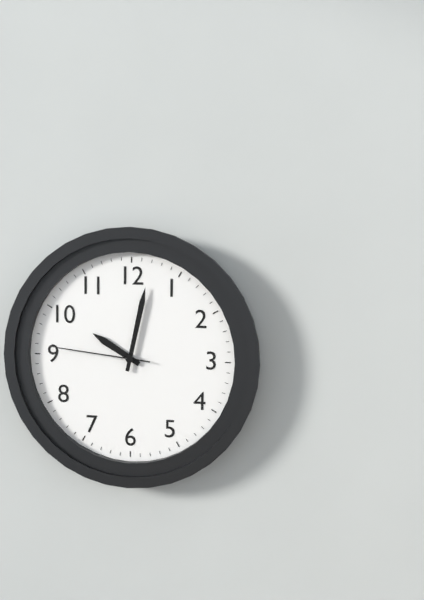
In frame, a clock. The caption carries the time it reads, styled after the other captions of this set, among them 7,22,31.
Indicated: 10,02,46
